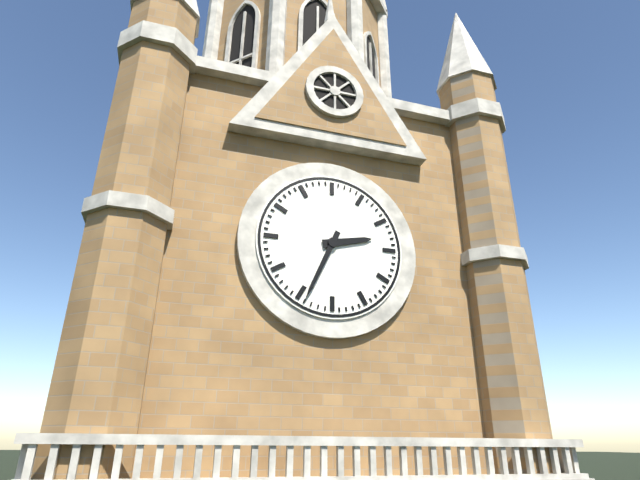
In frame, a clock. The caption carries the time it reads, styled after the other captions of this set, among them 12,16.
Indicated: 2,34
